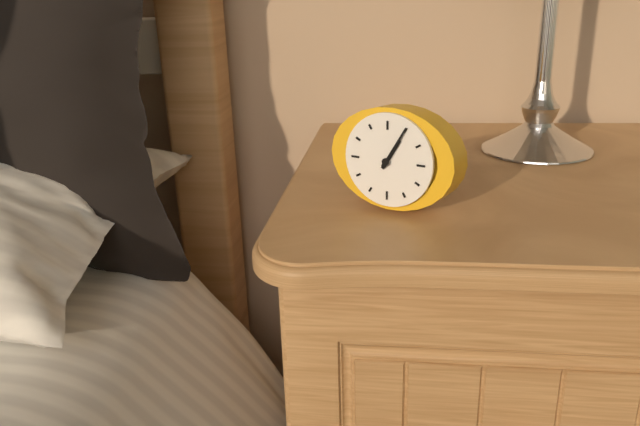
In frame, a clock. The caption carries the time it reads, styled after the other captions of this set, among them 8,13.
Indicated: 1,05
